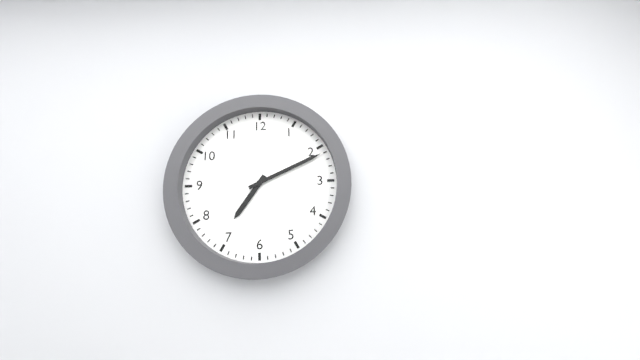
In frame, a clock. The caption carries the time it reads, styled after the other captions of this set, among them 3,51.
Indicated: 7,11
